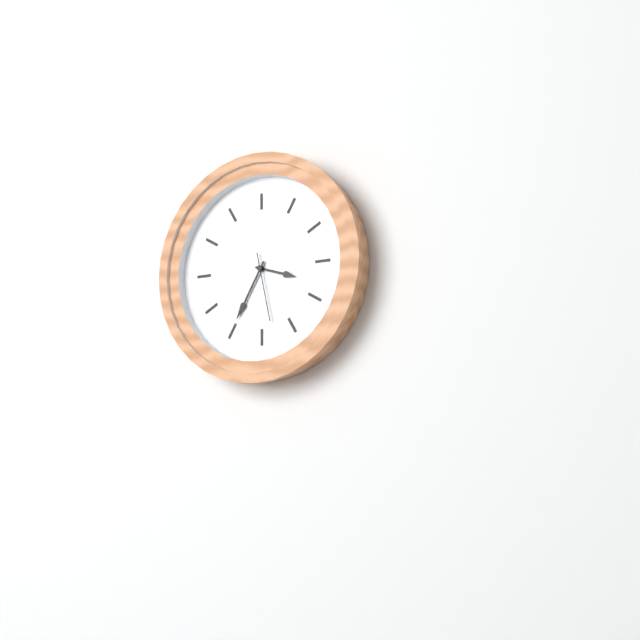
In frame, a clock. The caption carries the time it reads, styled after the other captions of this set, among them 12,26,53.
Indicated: 3,35,28
